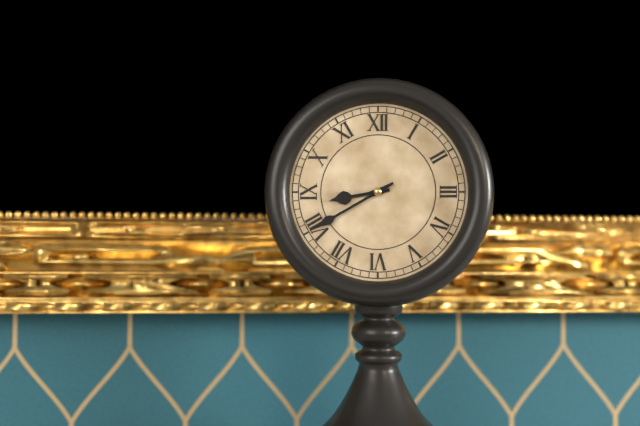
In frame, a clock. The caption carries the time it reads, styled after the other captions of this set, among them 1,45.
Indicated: 8,40
